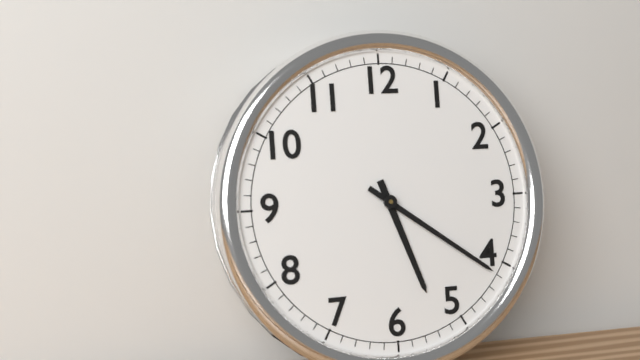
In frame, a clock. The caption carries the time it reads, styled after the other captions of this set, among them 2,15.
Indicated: 5,21
